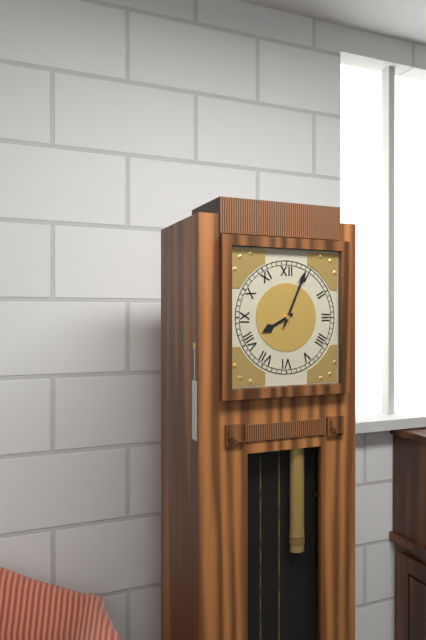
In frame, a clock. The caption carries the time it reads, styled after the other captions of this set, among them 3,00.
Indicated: 8,04
